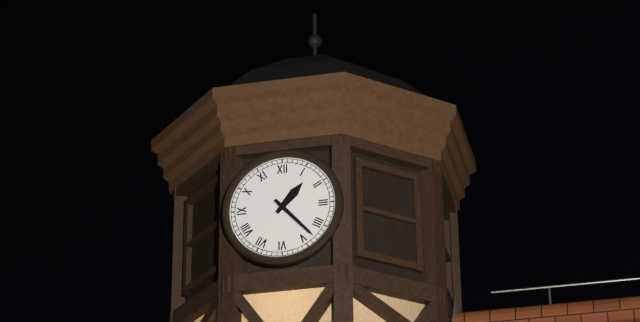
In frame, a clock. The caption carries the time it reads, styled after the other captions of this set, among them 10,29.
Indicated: 1,23
